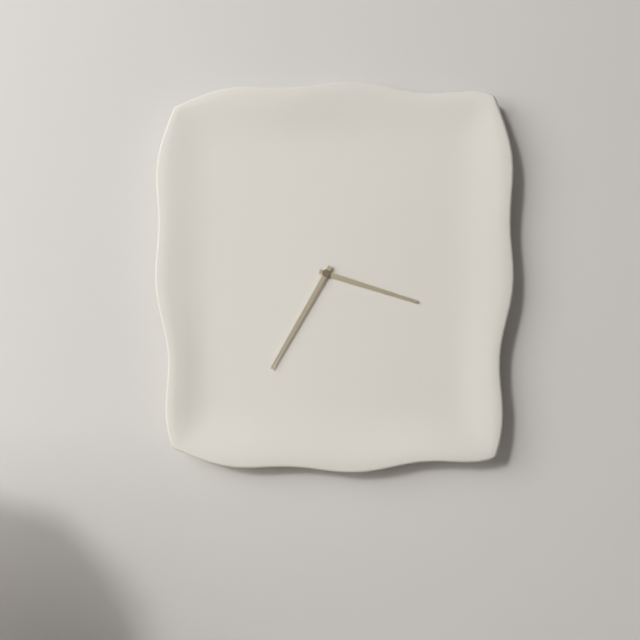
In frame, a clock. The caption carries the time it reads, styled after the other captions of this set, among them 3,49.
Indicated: 3,35
